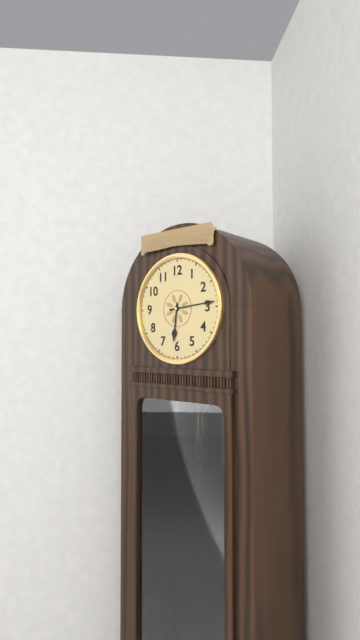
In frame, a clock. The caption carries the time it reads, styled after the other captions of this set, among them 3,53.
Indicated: 6,14
